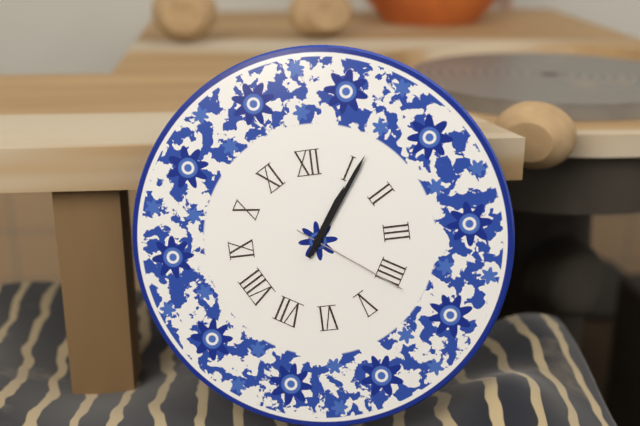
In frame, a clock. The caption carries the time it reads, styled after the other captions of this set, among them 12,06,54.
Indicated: 1,06,21
